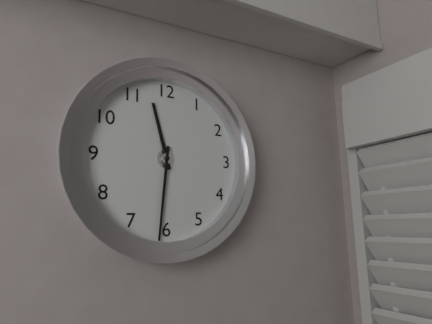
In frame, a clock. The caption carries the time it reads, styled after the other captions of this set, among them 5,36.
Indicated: 11,31
